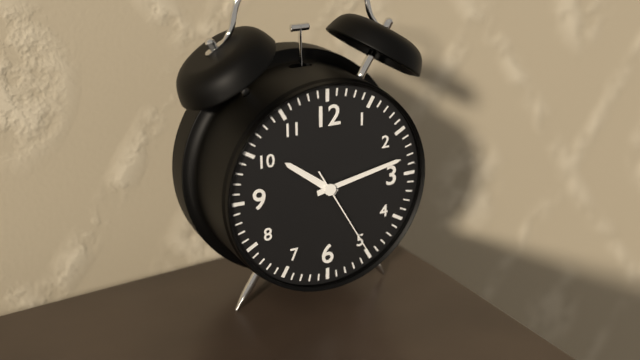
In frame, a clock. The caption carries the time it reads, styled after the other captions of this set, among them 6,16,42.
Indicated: 10,13,25
